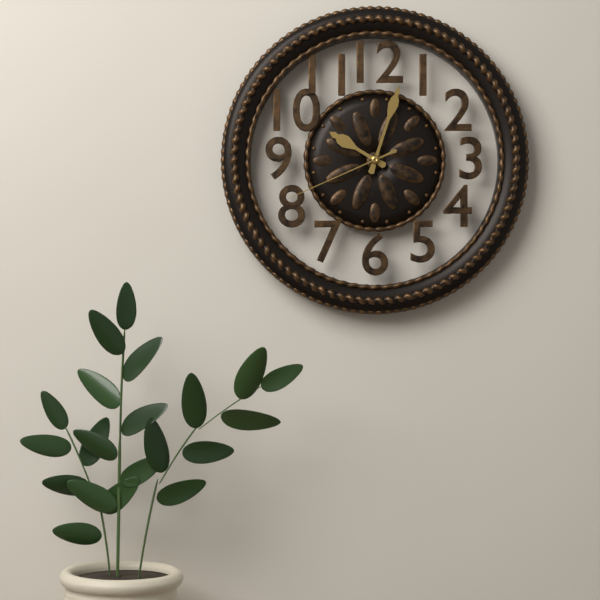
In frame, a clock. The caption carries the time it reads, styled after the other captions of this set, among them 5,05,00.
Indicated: 10,03,41
